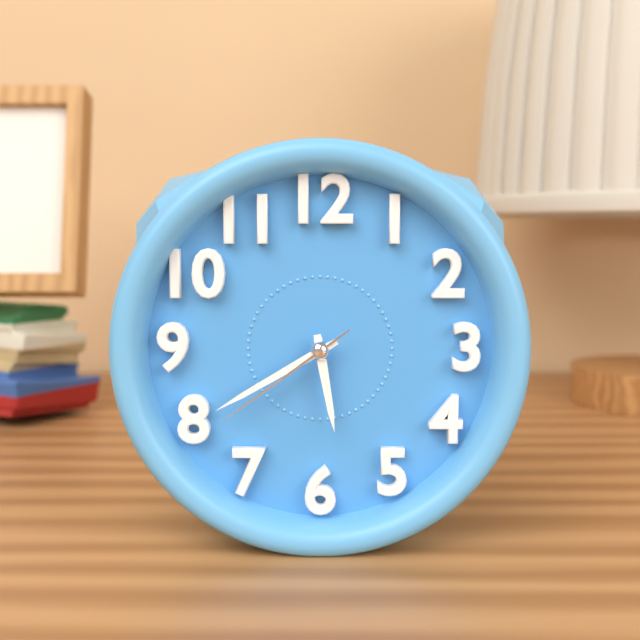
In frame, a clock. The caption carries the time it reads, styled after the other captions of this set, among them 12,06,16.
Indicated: 5,40,39
